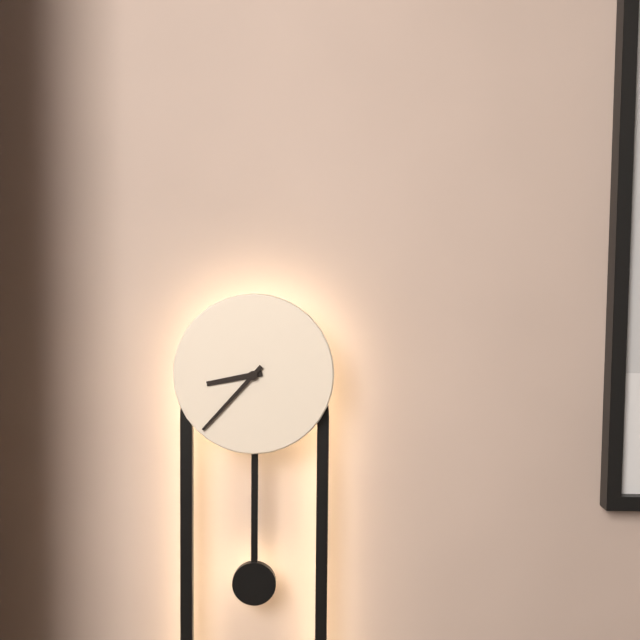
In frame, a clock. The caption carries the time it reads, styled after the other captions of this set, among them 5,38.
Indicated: 8,37
